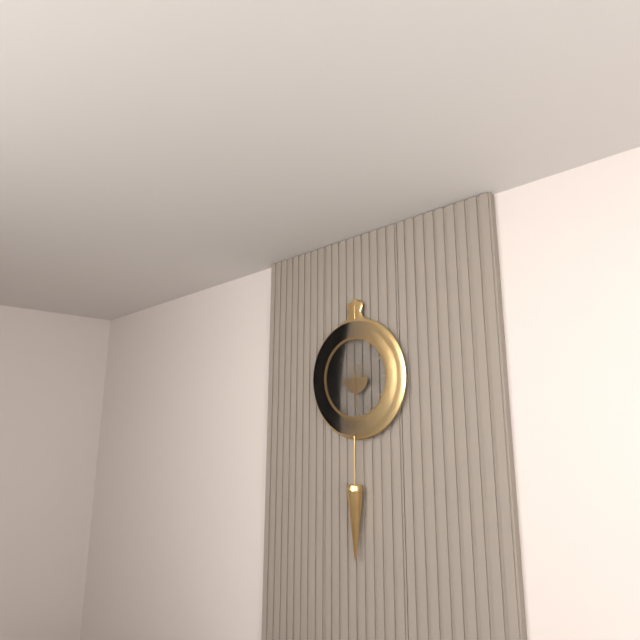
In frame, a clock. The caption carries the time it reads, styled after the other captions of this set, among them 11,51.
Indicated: 8,29
